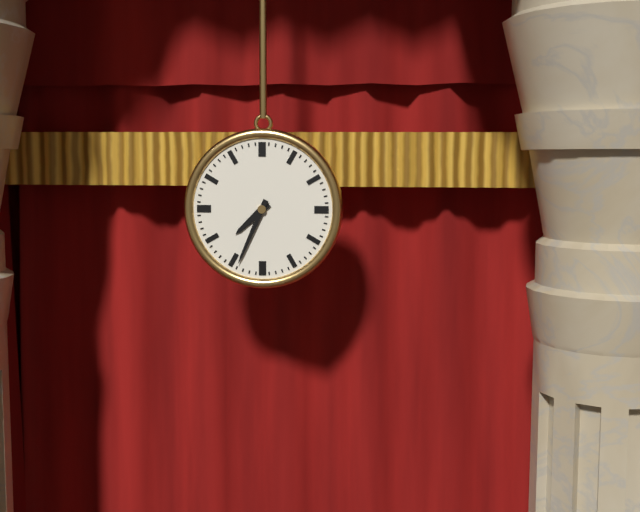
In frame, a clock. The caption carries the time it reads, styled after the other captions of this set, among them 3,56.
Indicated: 7,34
